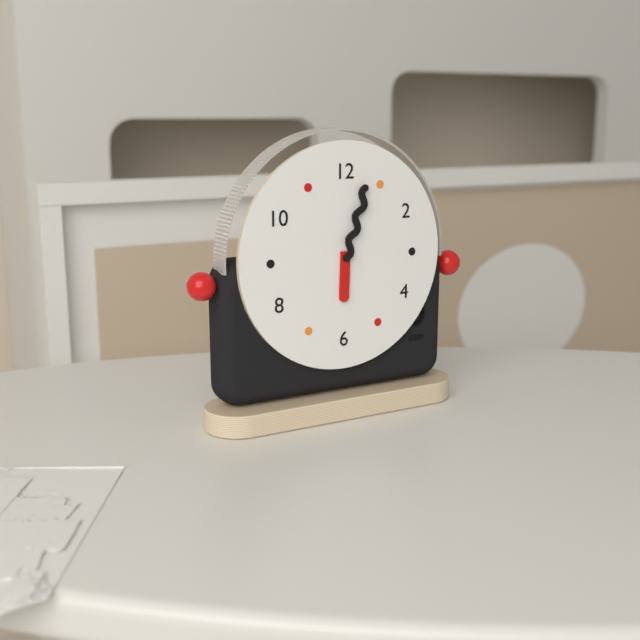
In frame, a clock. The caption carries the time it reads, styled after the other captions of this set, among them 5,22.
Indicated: 6,03
